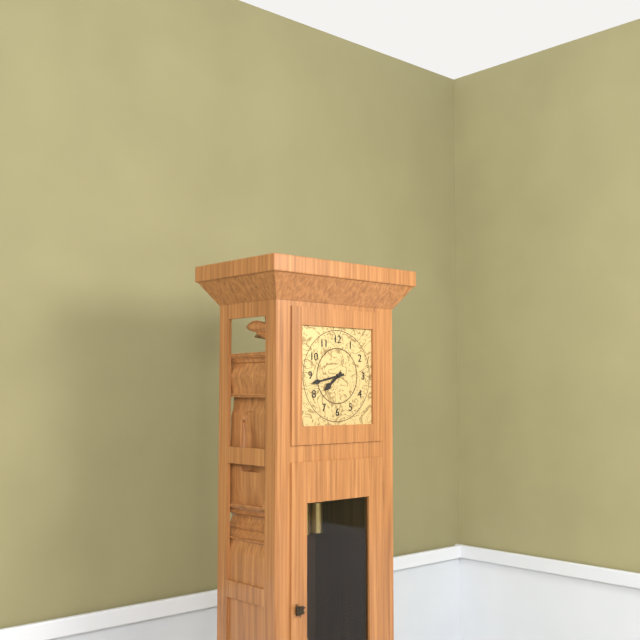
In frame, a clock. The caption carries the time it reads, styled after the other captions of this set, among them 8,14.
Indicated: 7,43
